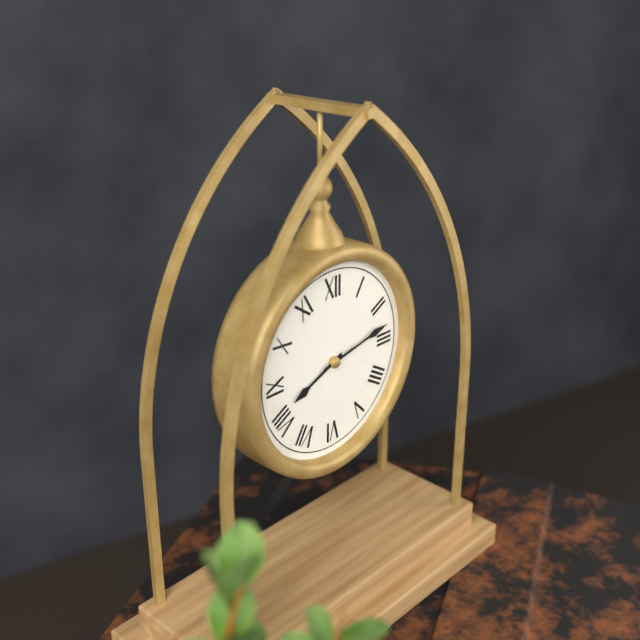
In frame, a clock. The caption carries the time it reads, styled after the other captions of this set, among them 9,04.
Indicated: 8,13
